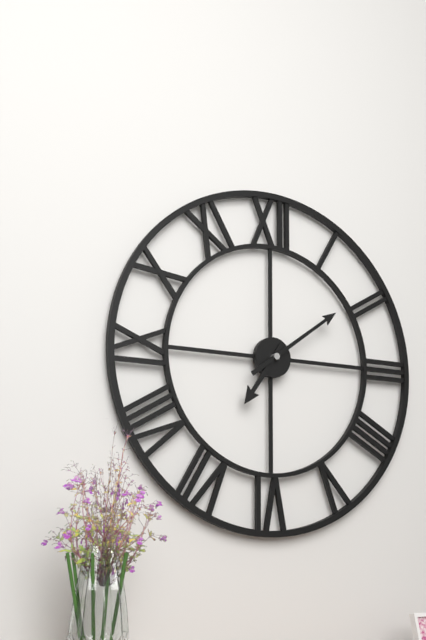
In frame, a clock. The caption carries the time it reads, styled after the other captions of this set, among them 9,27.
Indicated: 7,09
